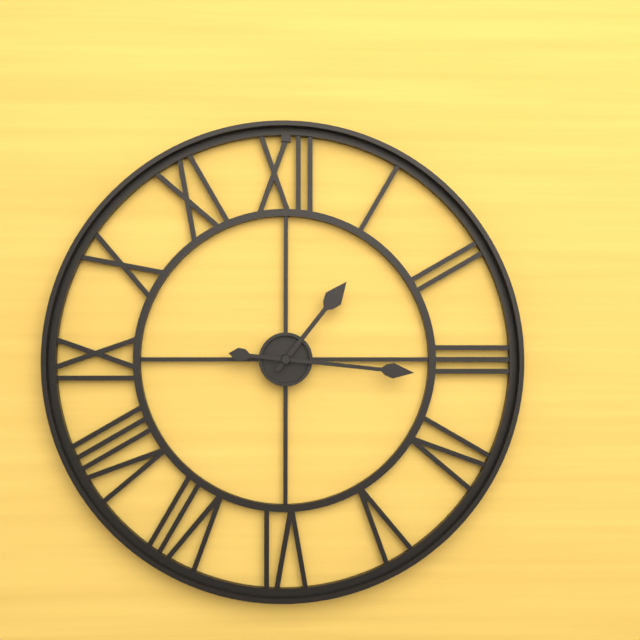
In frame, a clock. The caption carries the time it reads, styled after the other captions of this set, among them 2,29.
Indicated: 1,16
